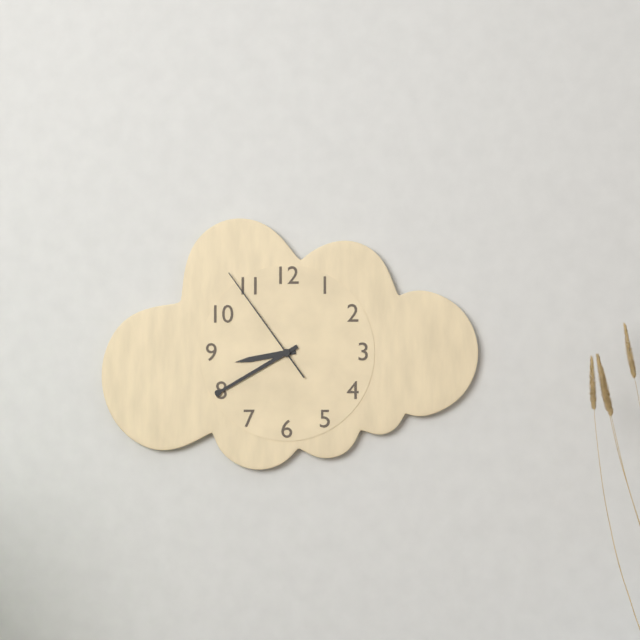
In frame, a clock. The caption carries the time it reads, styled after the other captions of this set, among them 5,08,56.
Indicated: 8,40,54
